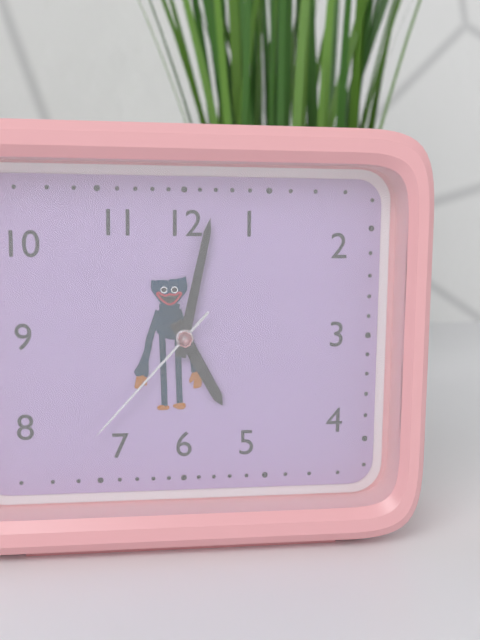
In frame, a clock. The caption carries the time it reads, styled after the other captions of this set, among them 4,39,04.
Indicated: 5,02,37
